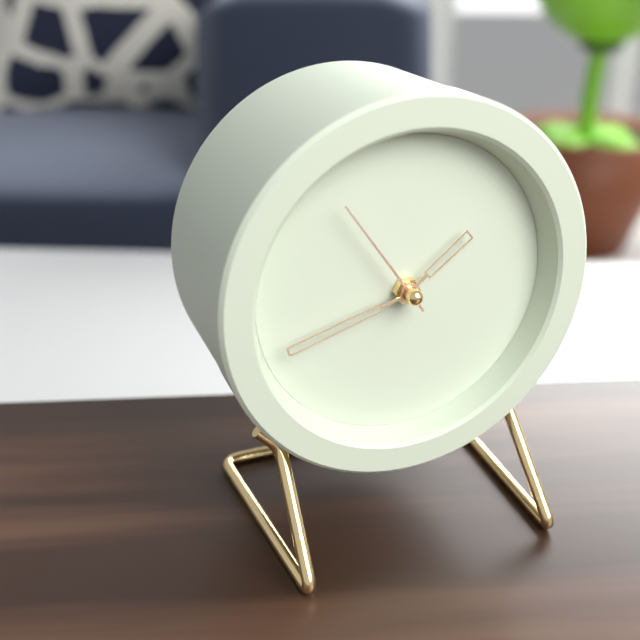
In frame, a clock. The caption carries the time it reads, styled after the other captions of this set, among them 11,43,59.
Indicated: 1,42,54
